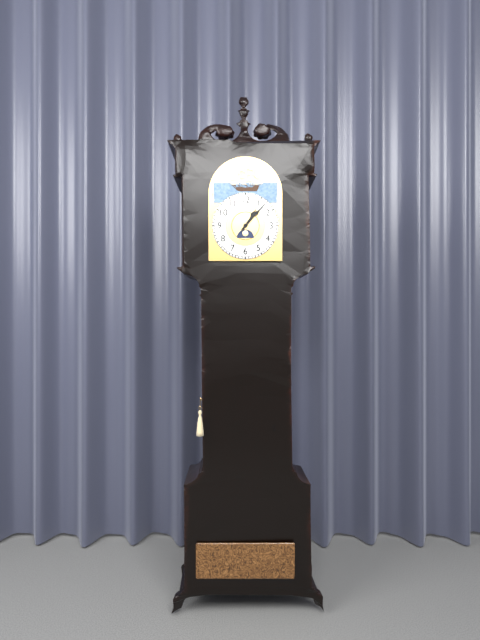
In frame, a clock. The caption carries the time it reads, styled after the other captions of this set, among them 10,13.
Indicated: 1,07
